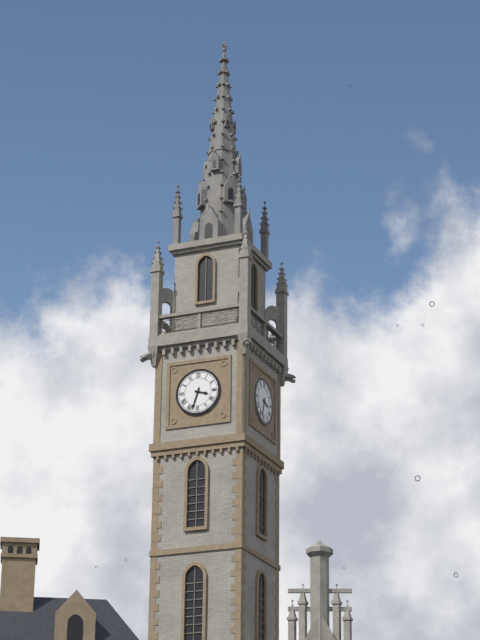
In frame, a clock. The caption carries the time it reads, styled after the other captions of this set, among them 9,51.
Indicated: 3,33
